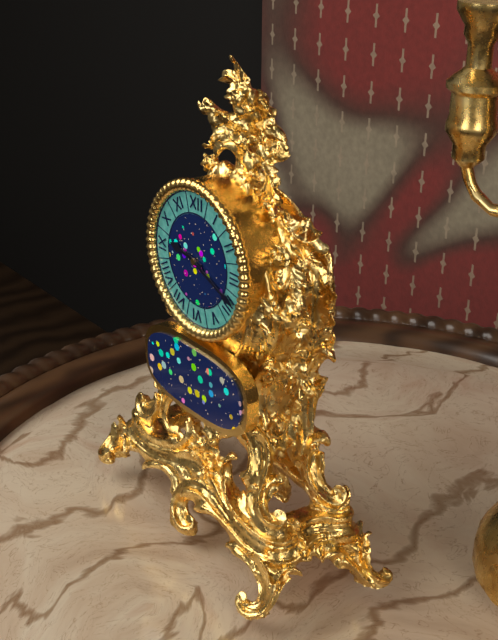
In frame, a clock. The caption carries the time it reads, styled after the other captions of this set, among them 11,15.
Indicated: 9,19
